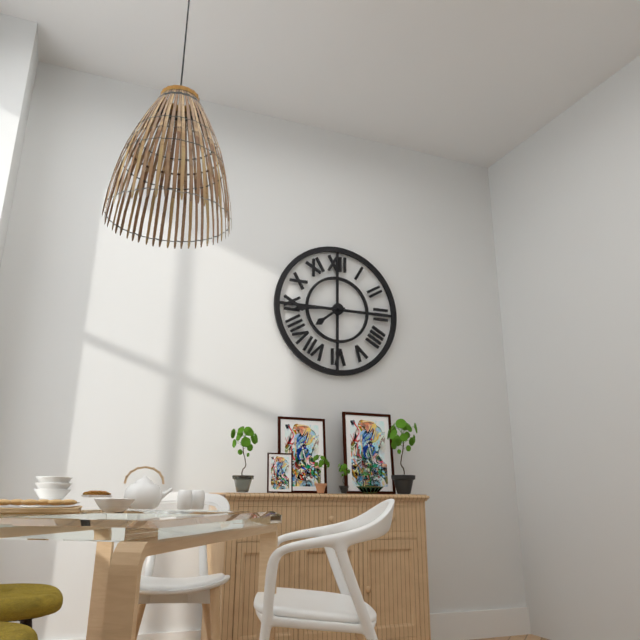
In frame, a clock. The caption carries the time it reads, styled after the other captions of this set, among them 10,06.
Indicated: 7,44
